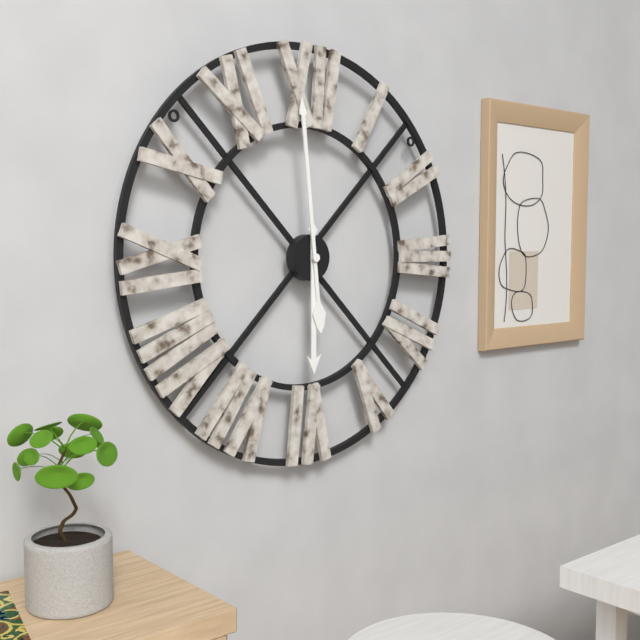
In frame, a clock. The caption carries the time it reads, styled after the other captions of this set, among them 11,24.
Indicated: 5,59
